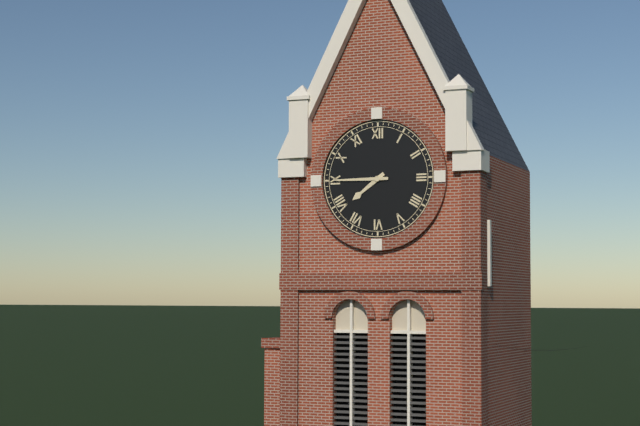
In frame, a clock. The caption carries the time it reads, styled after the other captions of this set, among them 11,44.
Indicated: 7,45
